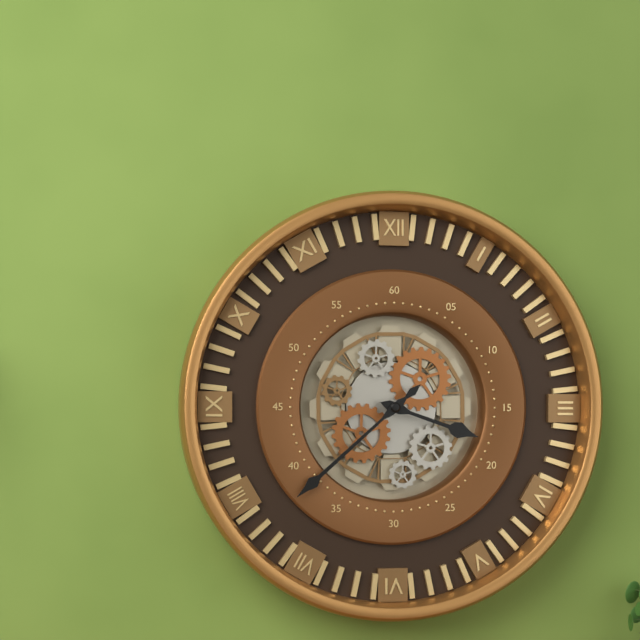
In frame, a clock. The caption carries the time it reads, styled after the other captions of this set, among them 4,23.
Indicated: 3,38
